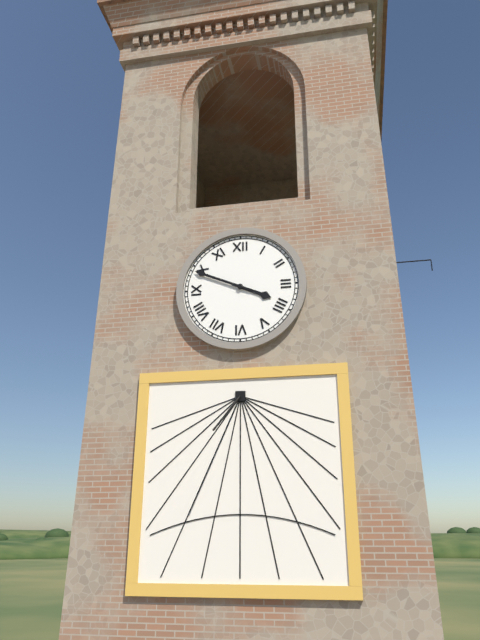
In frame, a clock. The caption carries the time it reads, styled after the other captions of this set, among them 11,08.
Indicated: 3,49
